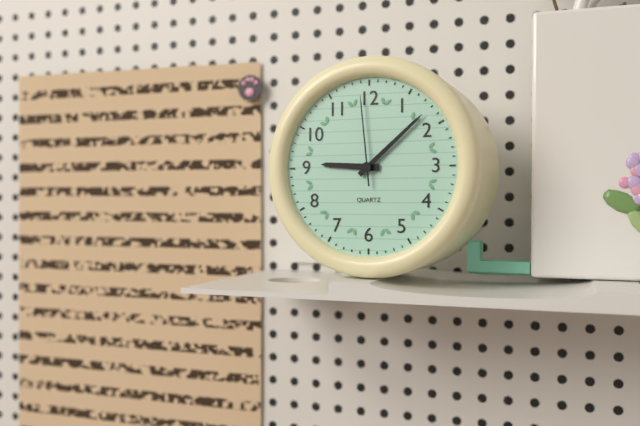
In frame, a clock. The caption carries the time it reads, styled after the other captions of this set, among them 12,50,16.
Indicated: 9,08,59
